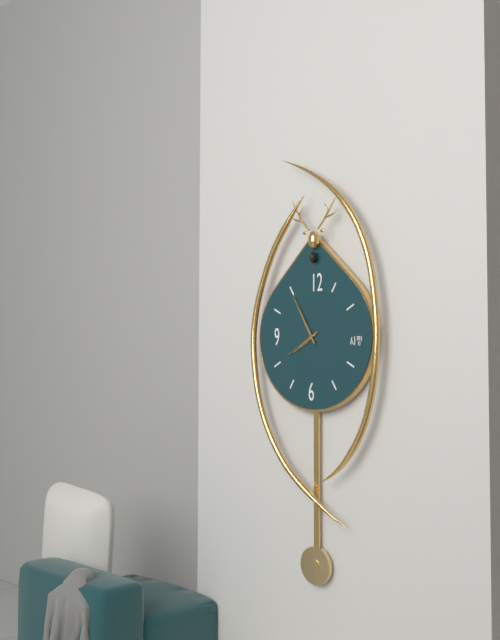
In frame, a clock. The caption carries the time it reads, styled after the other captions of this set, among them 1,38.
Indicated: 7,55
